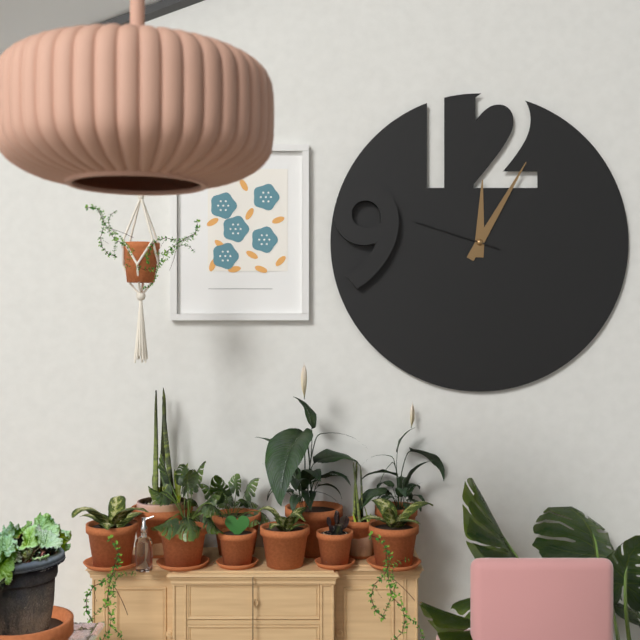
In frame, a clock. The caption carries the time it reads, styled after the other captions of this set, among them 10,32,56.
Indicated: 12,05,48
